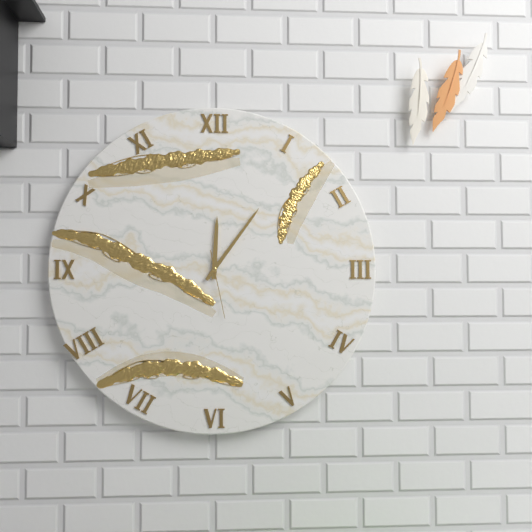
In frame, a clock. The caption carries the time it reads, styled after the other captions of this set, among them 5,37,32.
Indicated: 12,06,28
